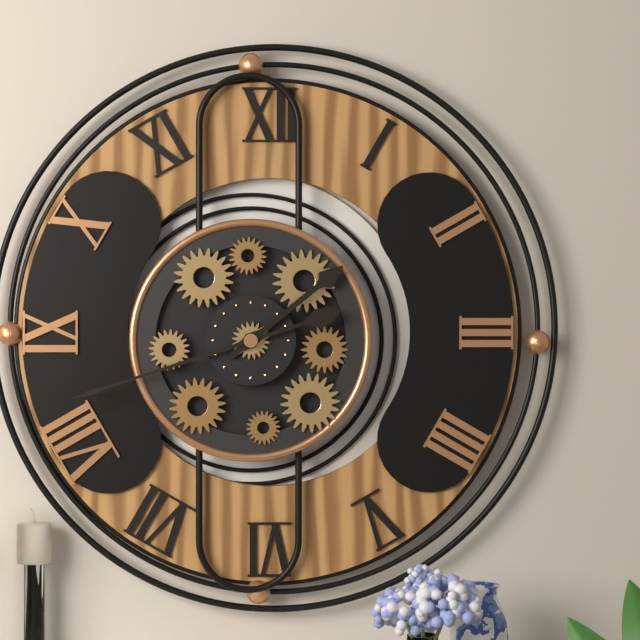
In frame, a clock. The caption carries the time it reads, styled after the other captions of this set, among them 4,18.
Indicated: 1,42
